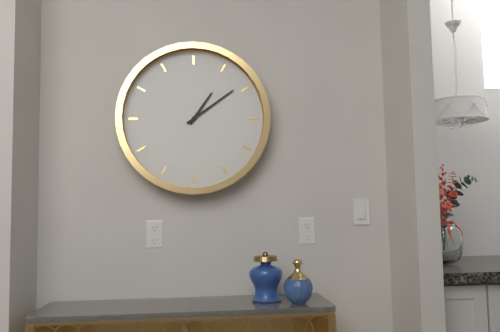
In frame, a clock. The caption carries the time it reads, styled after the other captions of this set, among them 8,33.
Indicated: 1,09
